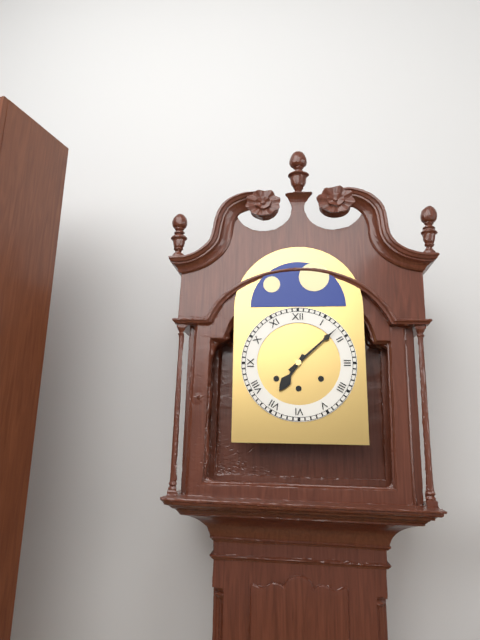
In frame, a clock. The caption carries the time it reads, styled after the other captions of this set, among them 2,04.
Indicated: 7,08
